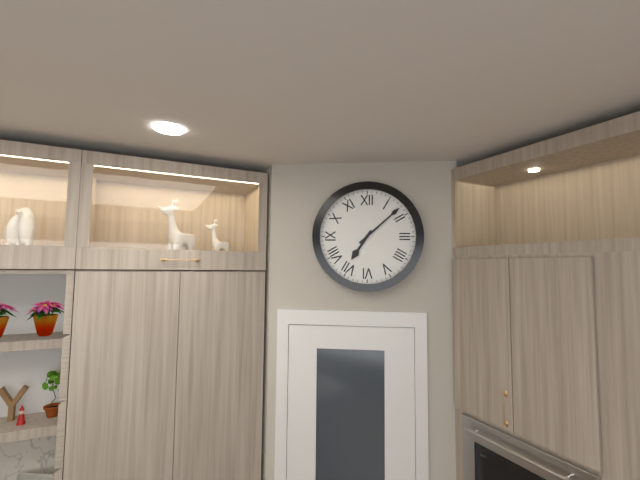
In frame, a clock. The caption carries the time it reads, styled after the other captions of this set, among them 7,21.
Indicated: 7,08
